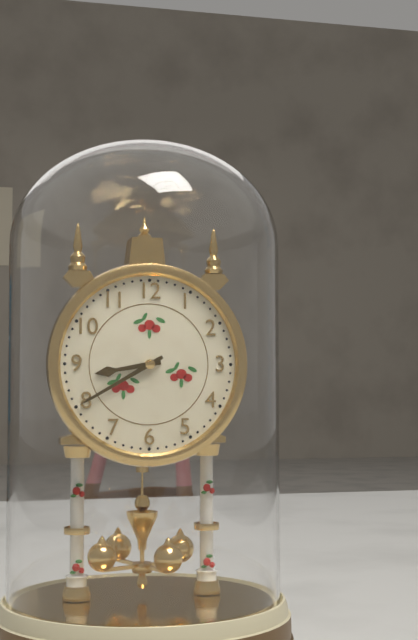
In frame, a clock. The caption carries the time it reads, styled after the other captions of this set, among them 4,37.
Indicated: 8,40
